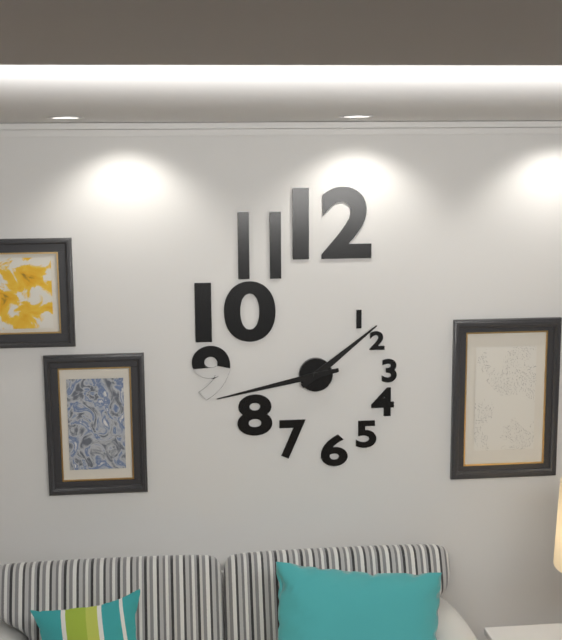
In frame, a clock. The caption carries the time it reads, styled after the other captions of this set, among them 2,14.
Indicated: 1,43
